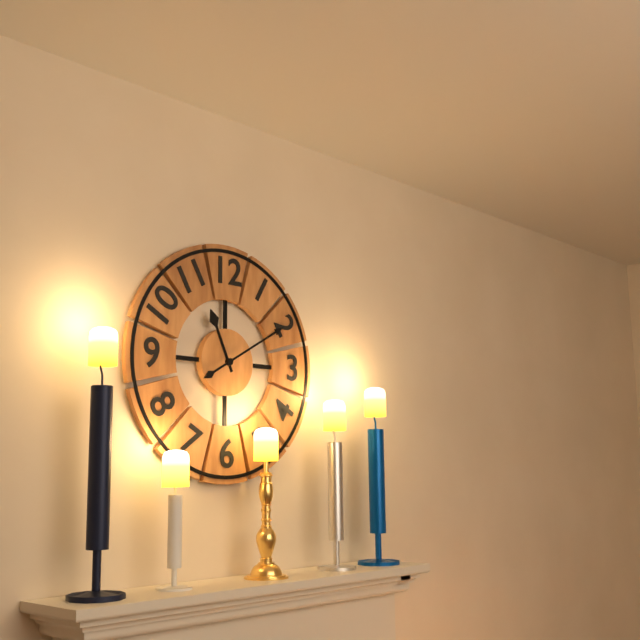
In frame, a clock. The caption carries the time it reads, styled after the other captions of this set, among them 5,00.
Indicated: 11,10
